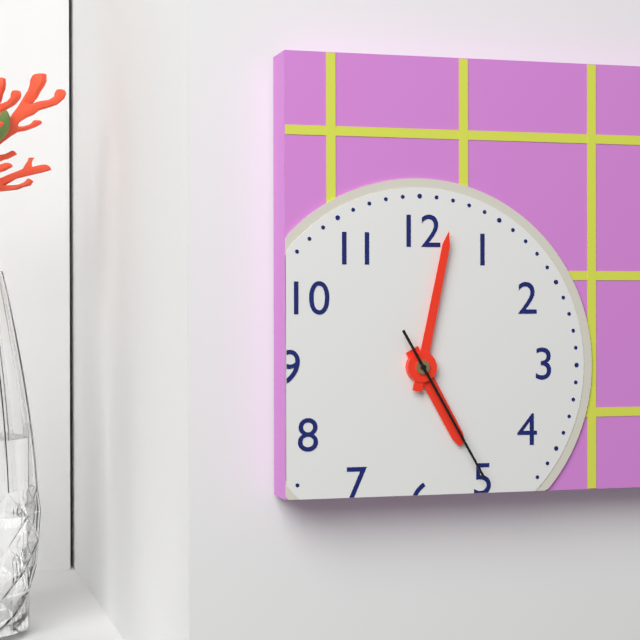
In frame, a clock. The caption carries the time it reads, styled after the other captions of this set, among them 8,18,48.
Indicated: 5,02,25
